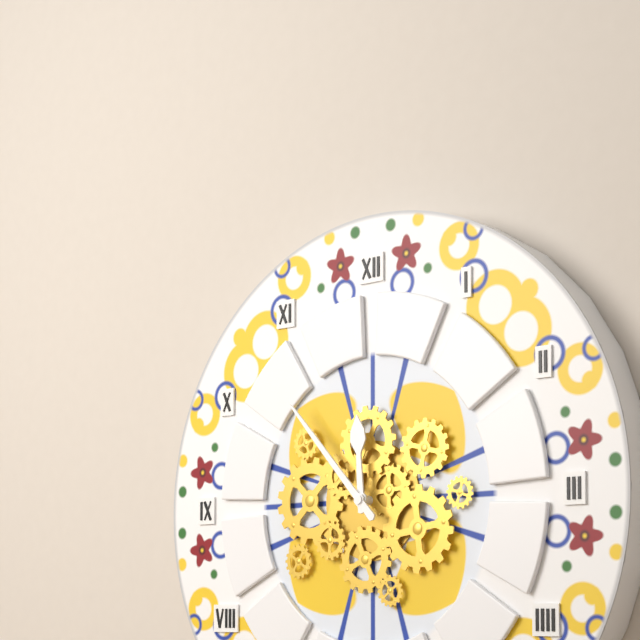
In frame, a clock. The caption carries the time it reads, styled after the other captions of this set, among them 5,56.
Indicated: 11,53
